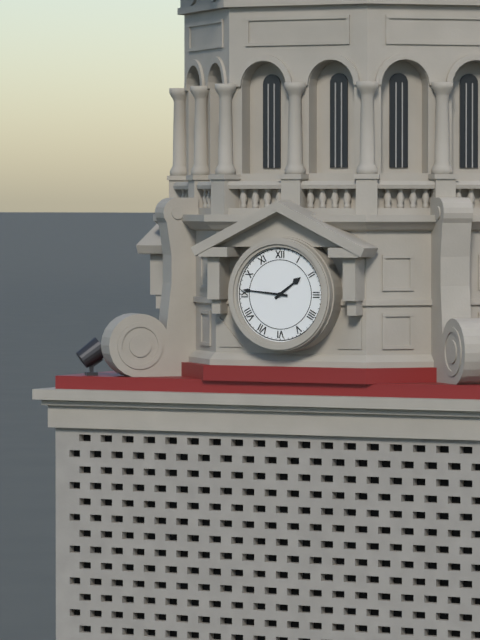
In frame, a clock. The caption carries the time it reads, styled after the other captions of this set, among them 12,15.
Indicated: 1,46
